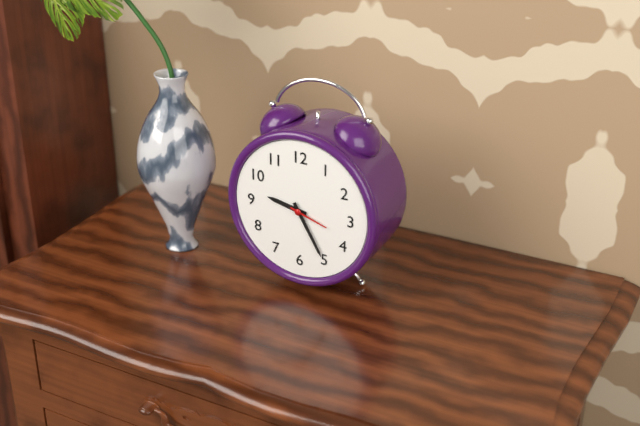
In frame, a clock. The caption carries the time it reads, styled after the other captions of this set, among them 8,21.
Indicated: 9,25
